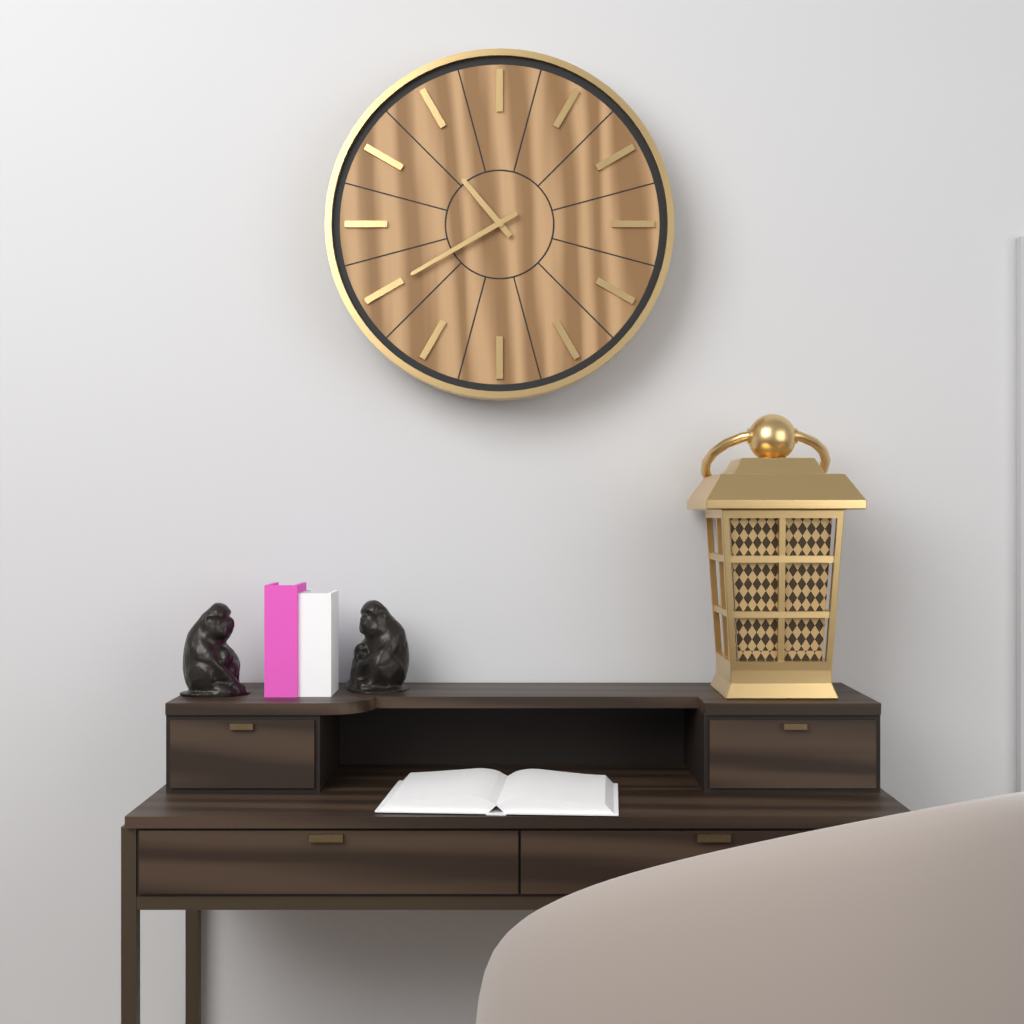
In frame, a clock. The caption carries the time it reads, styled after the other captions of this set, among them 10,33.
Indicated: 10,40
